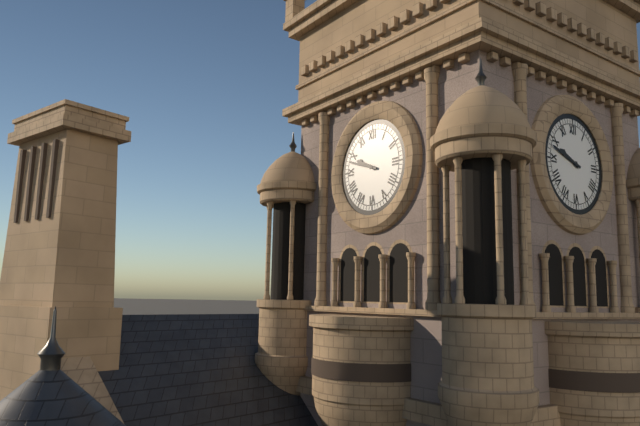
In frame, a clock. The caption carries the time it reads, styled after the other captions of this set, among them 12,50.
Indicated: 9,48
